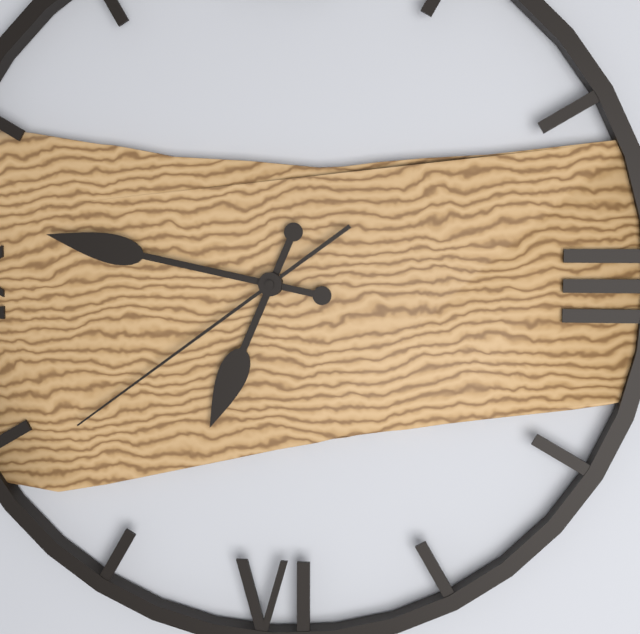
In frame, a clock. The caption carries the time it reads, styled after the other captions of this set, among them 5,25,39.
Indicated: 6,47,39
